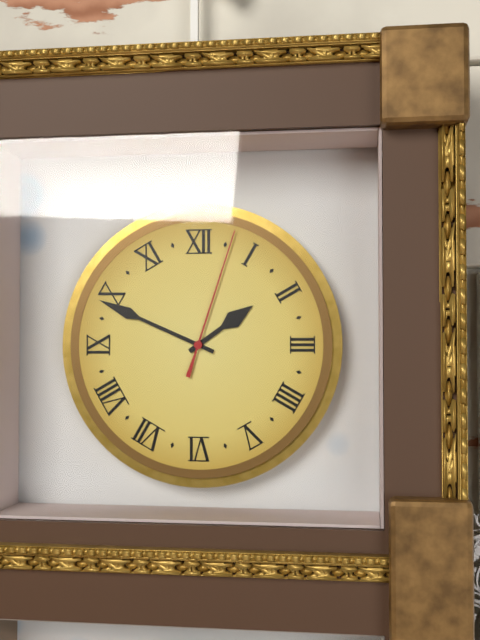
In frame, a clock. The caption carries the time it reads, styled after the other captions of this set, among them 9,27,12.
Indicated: 1,49,03
